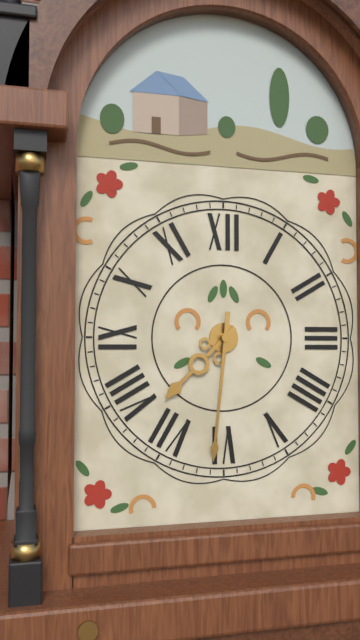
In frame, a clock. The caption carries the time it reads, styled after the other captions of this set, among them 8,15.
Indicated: 7,31
